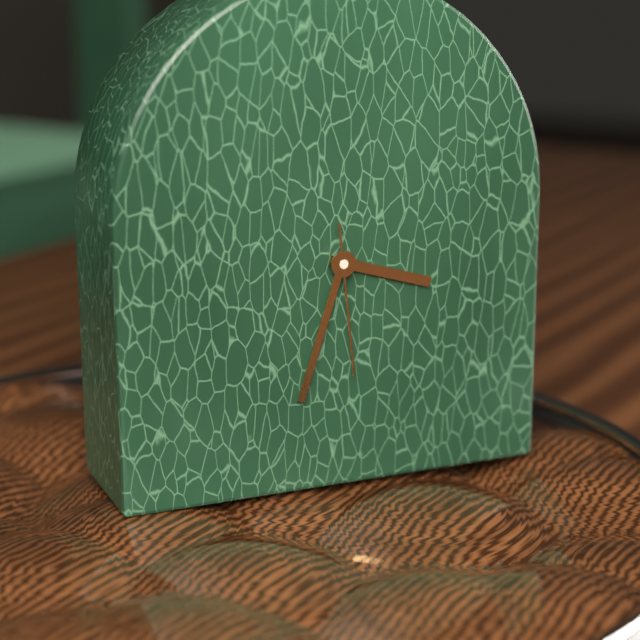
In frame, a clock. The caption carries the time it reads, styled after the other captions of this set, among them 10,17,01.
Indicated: 3,33,29
